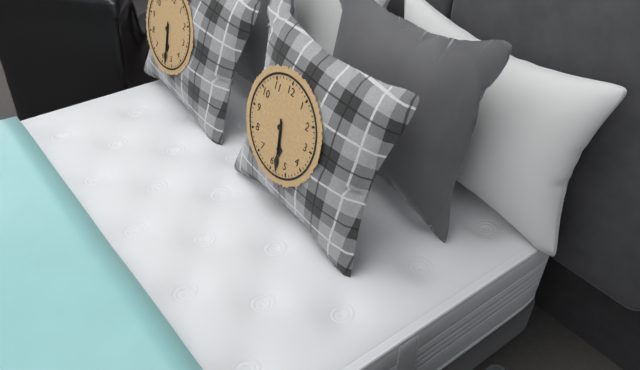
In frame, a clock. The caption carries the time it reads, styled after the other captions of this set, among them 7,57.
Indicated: 5,28
